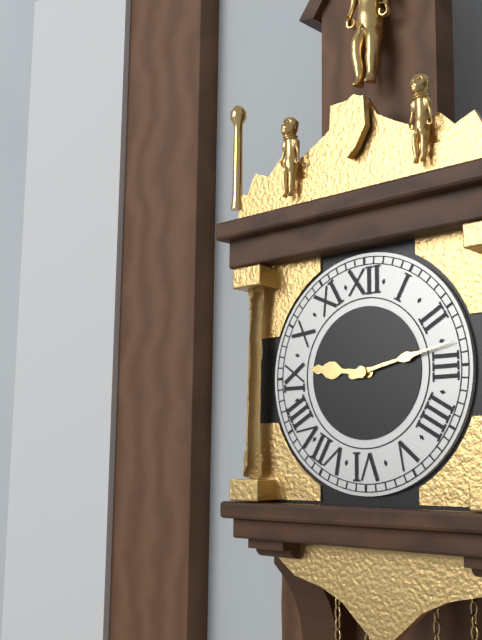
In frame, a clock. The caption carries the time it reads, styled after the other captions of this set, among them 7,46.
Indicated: 9,13
